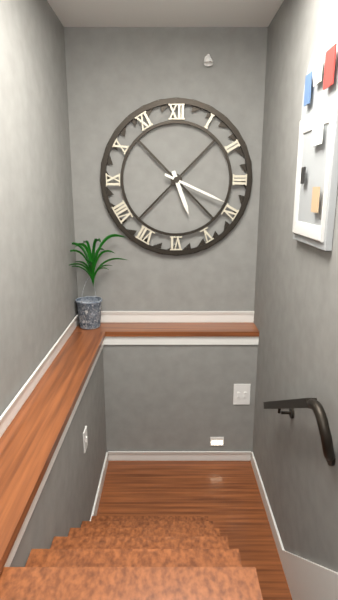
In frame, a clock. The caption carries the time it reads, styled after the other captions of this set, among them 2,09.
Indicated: 5,19
